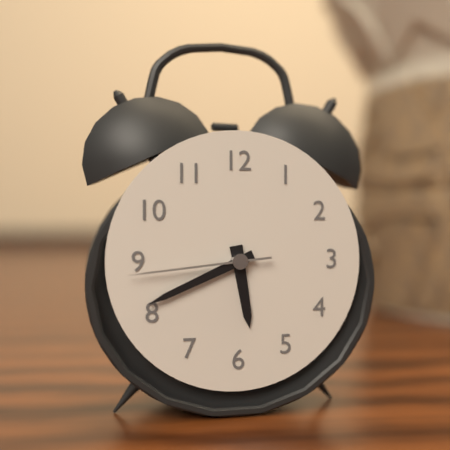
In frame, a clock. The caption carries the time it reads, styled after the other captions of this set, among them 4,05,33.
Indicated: 5,41,44
